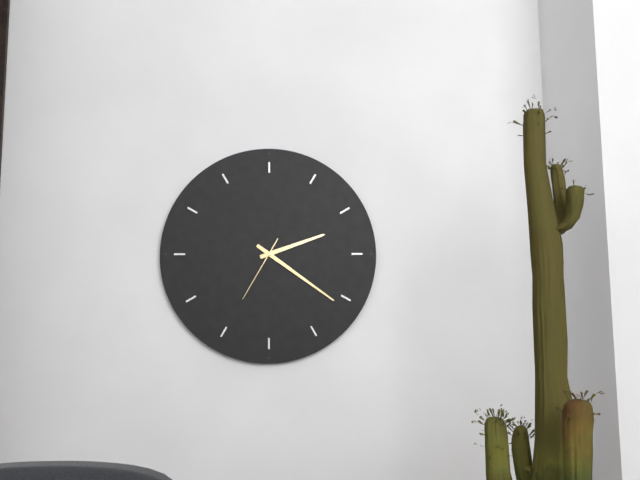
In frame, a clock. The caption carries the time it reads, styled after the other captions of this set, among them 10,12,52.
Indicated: 2,21,35
